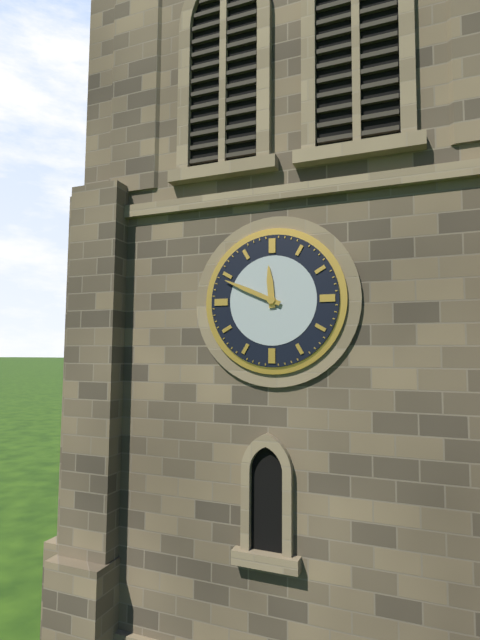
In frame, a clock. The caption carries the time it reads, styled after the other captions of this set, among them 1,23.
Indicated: 11,49
